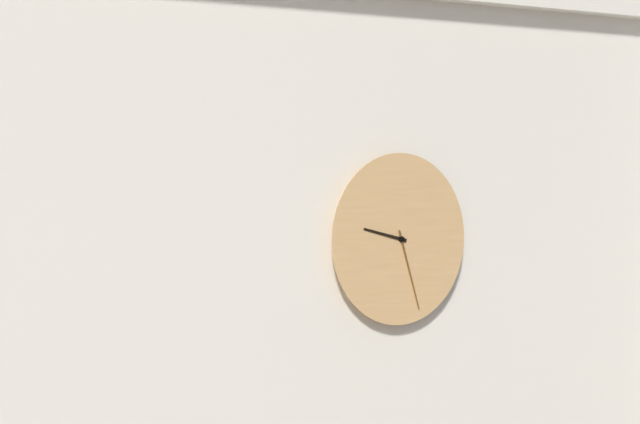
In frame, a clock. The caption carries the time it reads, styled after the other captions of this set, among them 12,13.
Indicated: 9,27
